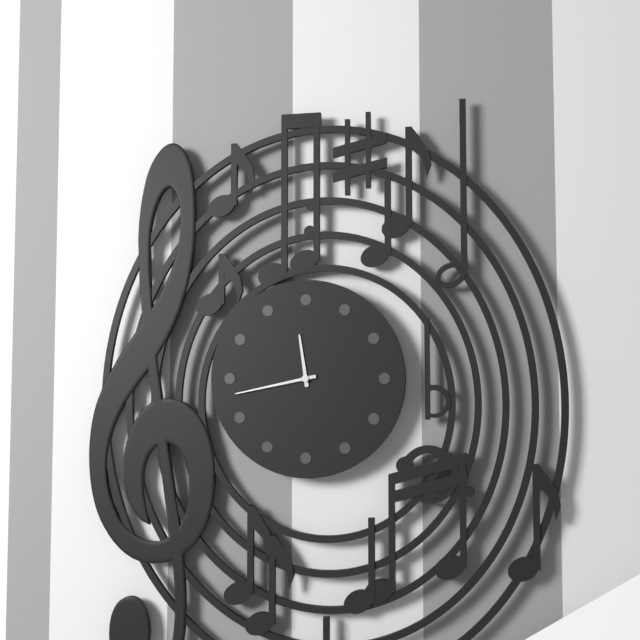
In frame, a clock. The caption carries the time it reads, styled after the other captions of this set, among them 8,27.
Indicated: 11,43
